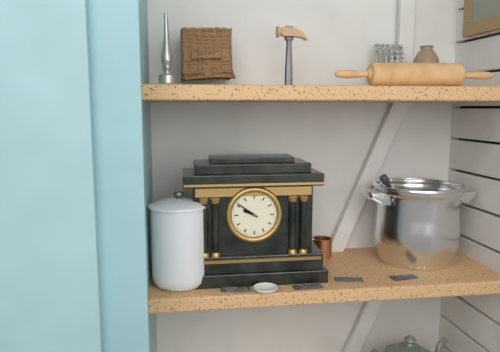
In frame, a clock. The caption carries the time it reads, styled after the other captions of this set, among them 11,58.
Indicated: 9,51
